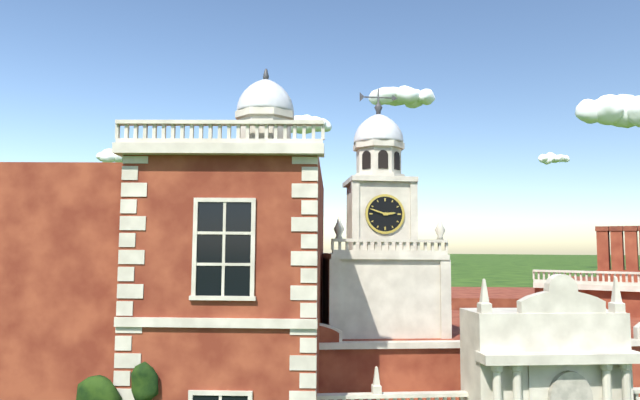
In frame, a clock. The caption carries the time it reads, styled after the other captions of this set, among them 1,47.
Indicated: 2,48
